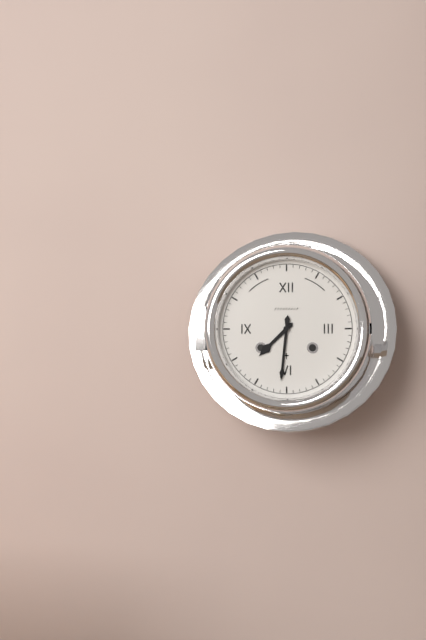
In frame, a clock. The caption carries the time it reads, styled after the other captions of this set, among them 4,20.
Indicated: 7,31
